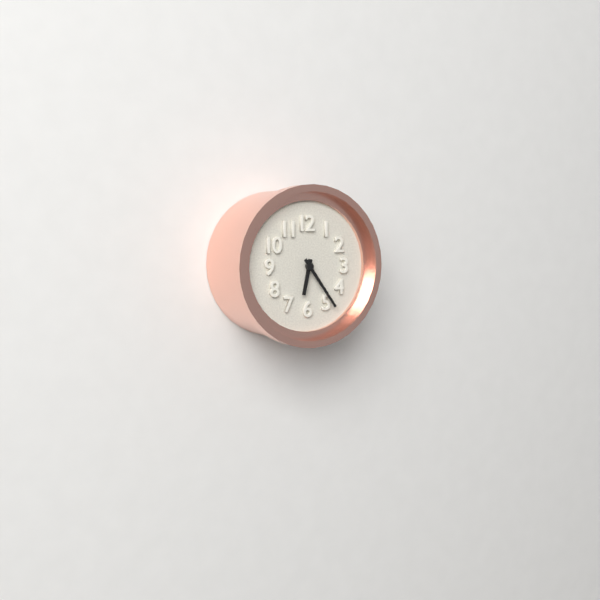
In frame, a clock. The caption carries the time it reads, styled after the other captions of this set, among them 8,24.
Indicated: 6,24
